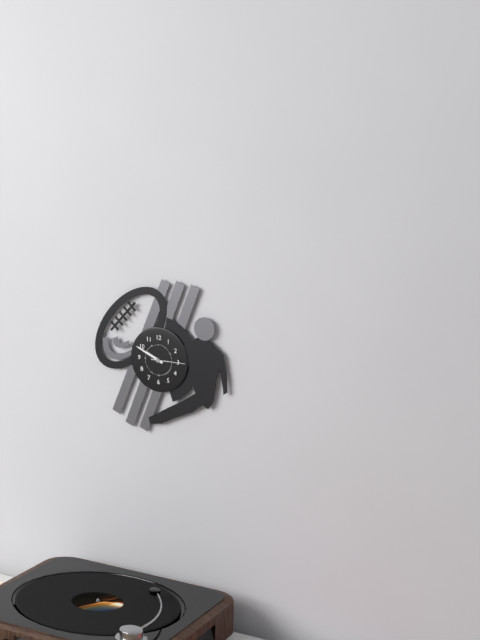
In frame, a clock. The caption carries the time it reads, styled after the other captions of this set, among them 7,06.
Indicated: 9,49
